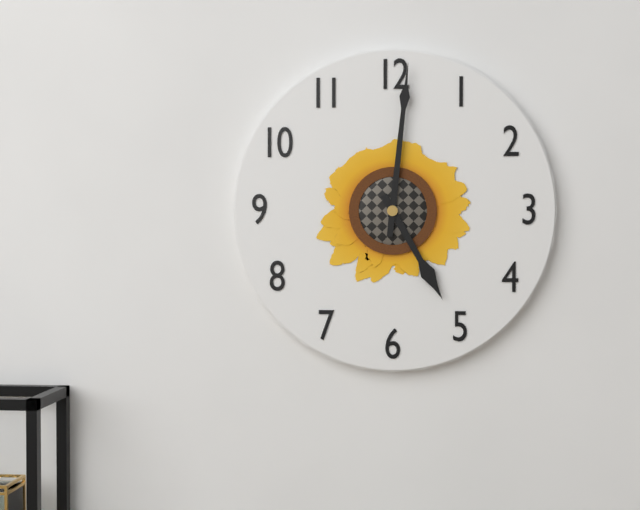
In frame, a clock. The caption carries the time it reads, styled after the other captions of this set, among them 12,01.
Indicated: 5,01
